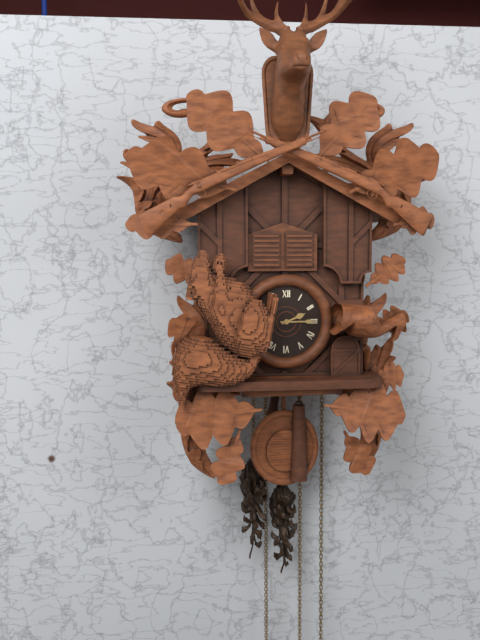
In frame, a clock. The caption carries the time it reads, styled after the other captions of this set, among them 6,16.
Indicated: 2,15
